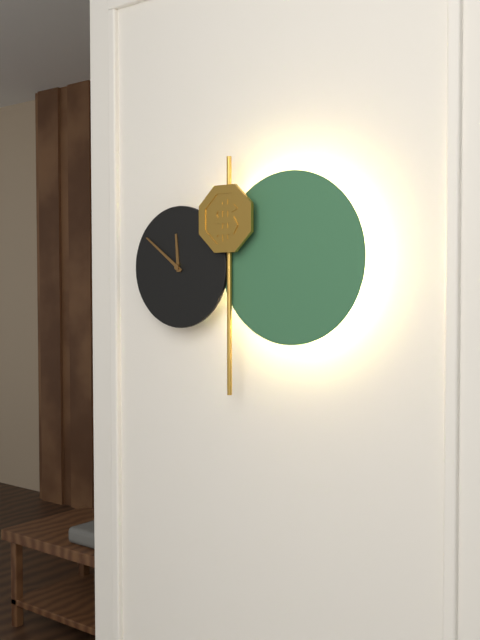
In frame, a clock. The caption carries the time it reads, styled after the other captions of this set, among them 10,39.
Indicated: 11,51
